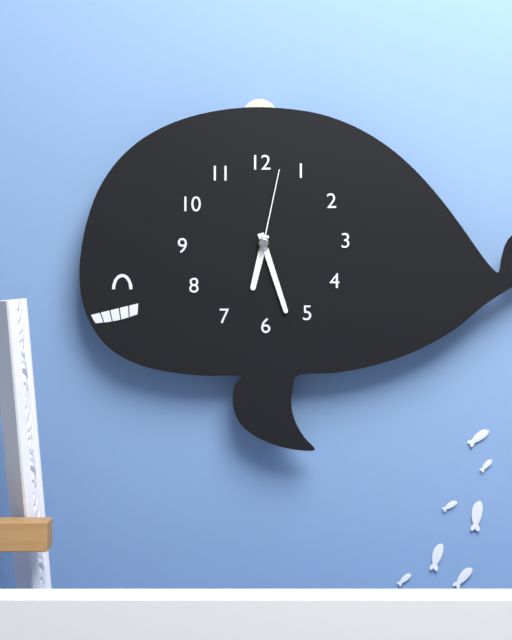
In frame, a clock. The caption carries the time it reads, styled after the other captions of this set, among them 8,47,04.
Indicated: 6,27,02
